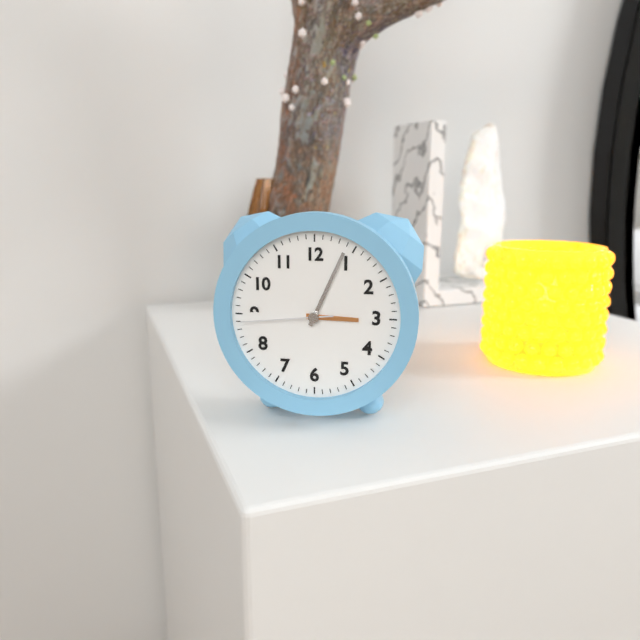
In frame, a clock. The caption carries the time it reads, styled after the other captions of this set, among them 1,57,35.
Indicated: 3,04,44
